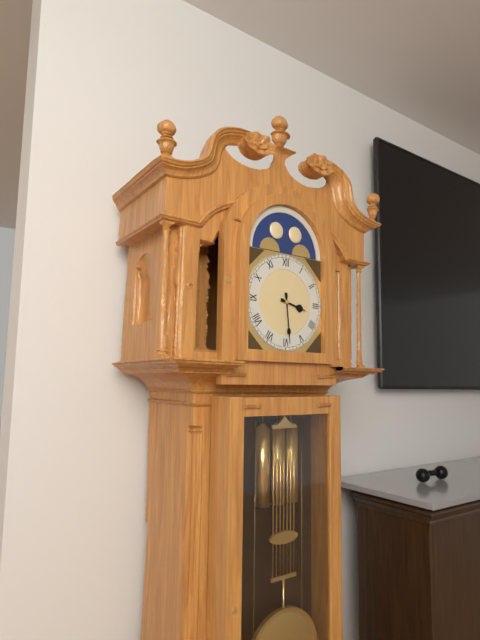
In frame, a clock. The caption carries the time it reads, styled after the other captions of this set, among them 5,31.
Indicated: 3,29
